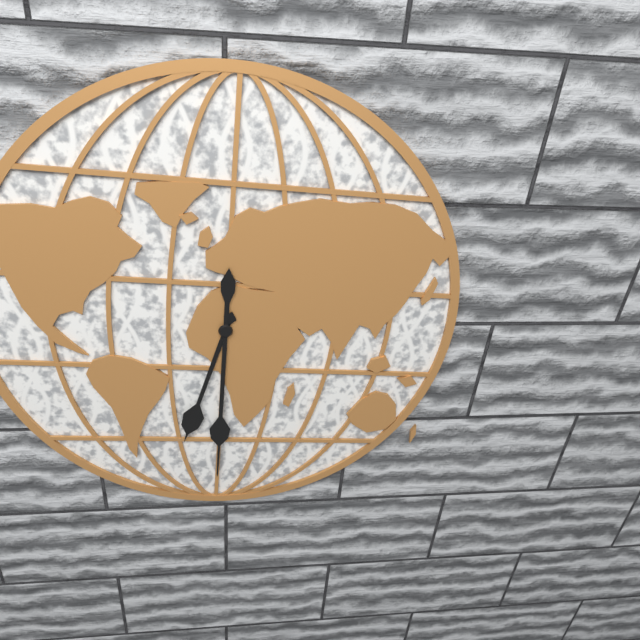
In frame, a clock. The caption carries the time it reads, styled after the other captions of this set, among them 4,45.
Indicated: 6,30
